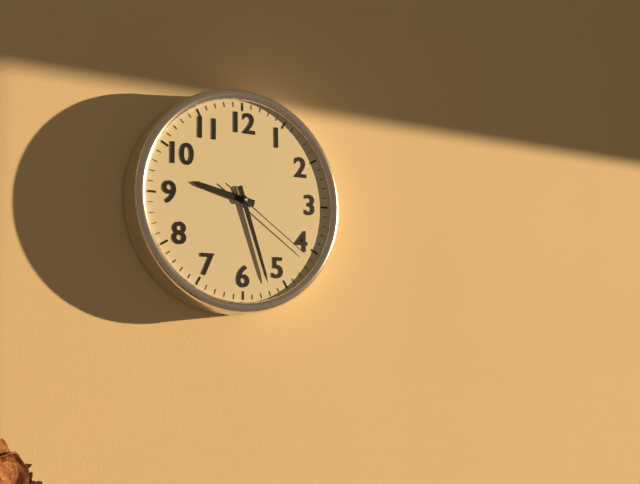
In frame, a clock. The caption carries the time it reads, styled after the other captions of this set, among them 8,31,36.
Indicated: 9,27,21
